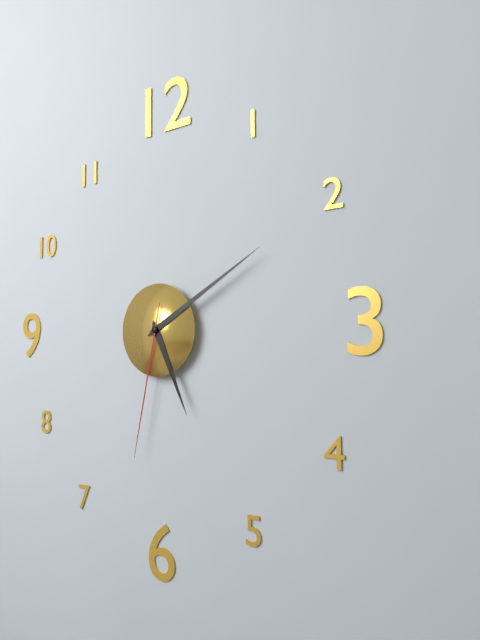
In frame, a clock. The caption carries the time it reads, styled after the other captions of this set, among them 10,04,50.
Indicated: 5,10,32
